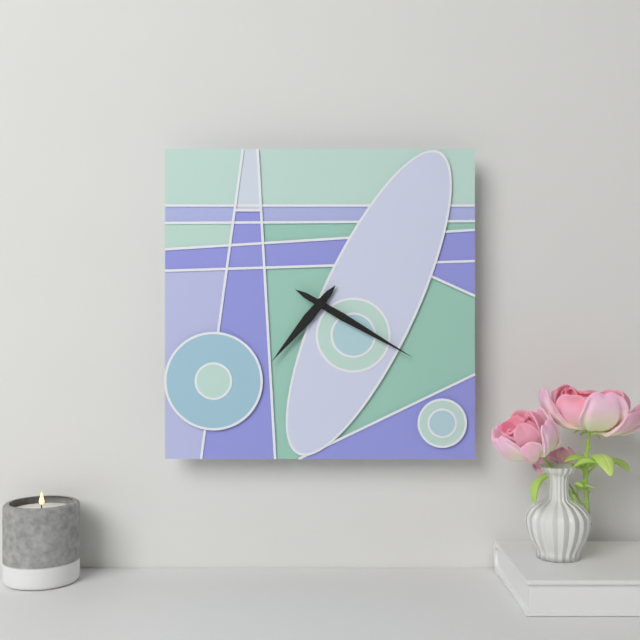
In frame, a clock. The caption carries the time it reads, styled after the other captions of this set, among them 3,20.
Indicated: 7,20
